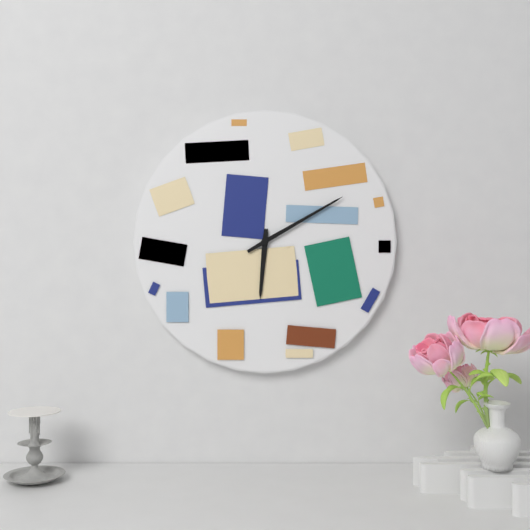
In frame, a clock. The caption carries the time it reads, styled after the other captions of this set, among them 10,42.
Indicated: 6,10
